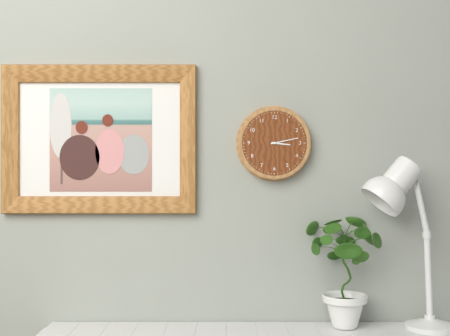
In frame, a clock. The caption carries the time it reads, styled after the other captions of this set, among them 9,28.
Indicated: 3,13
